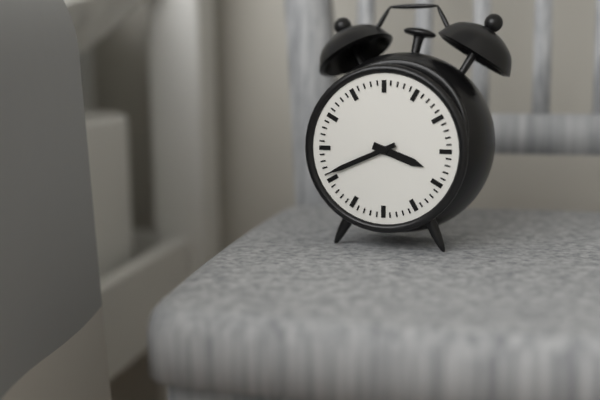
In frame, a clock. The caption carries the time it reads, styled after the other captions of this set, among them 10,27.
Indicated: 3,41
